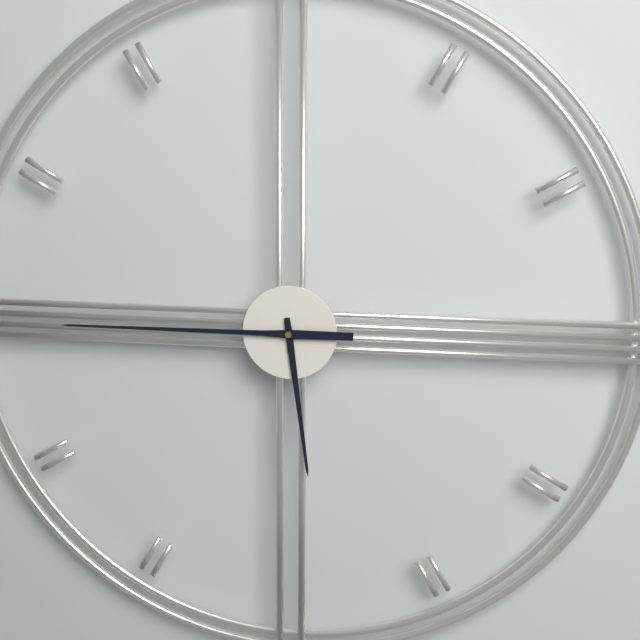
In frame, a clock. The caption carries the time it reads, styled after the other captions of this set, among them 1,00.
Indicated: 5,45
